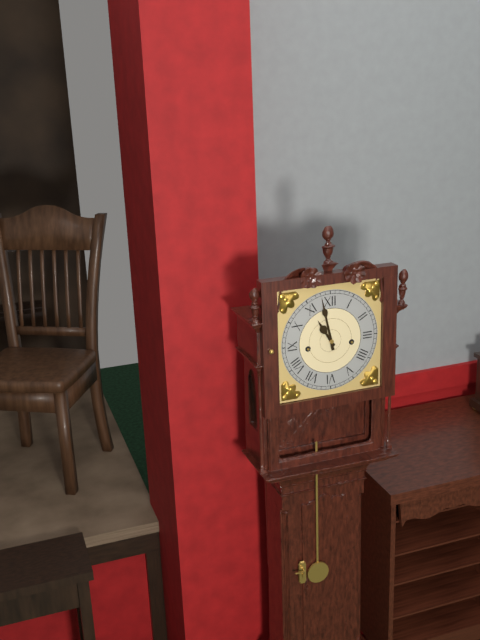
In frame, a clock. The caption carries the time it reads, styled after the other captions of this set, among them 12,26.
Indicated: 10,58
